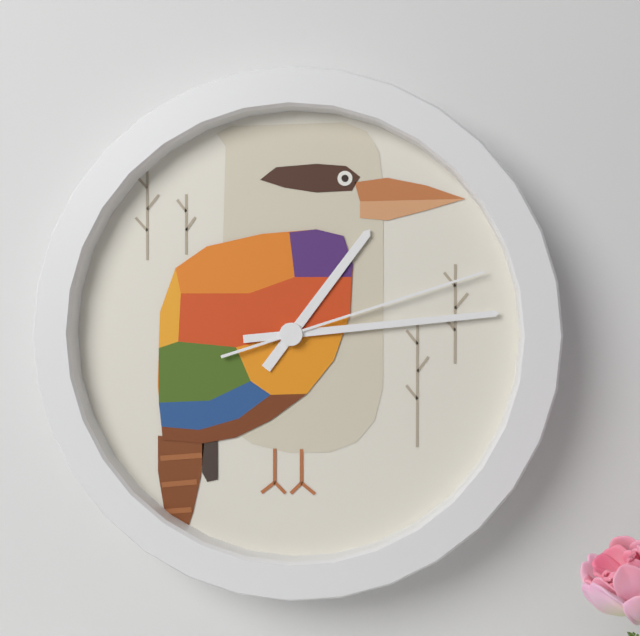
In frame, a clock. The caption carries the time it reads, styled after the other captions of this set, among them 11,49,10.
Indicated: 1,14,12
